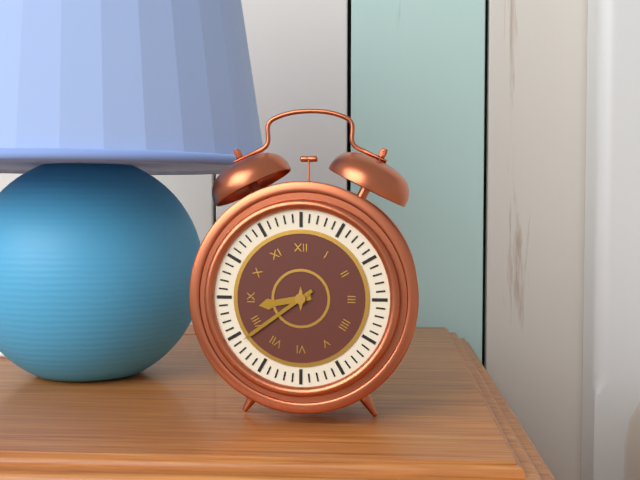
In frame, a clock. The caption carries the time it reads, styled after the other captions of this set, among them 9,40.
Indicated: 8,39
